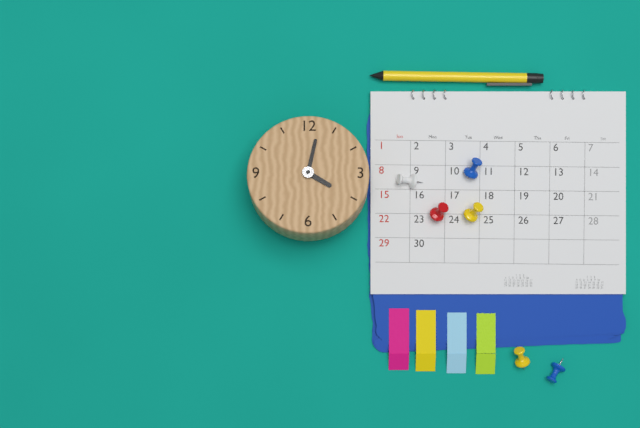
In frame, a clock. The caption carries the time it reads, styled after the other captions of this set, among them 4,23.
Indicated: 4,02
